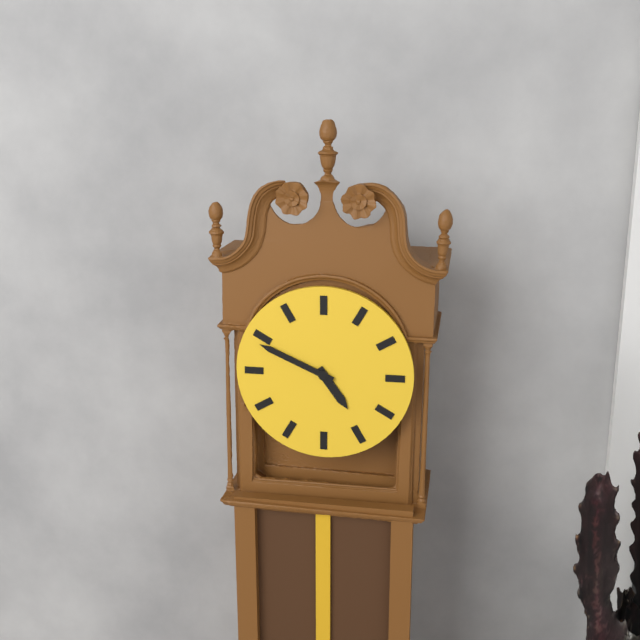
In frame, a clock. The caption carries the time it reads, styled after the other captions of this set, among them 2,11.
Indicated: 4,49
